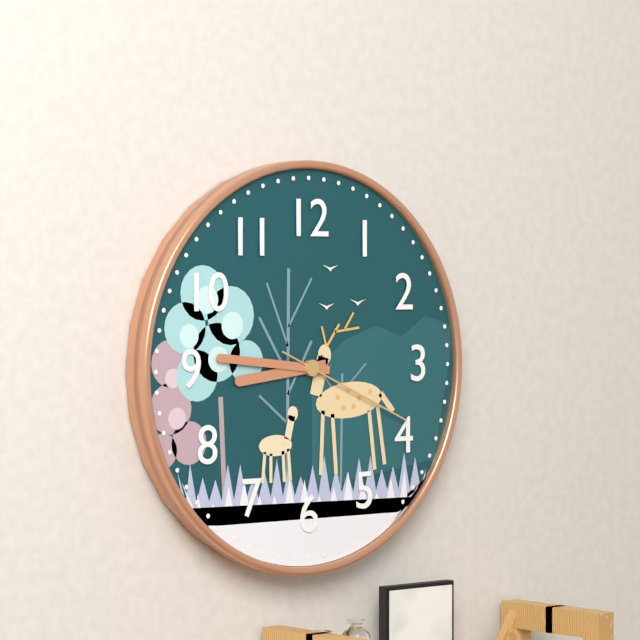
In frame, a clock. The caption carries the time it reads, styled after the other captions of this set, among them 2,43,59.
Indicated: 8,46,19
